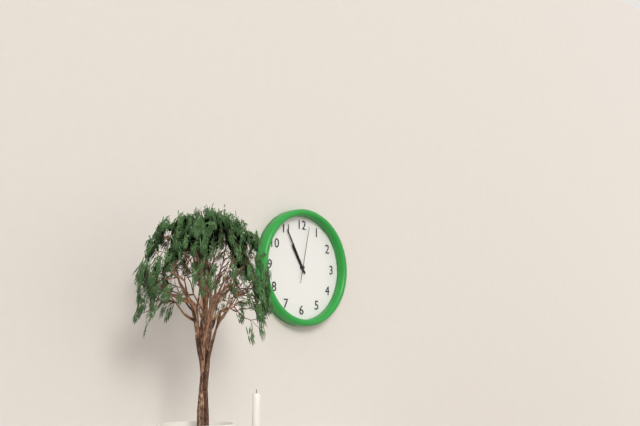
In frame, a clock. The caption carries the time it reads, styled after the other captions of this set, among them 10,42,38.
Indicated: 10,55,02
